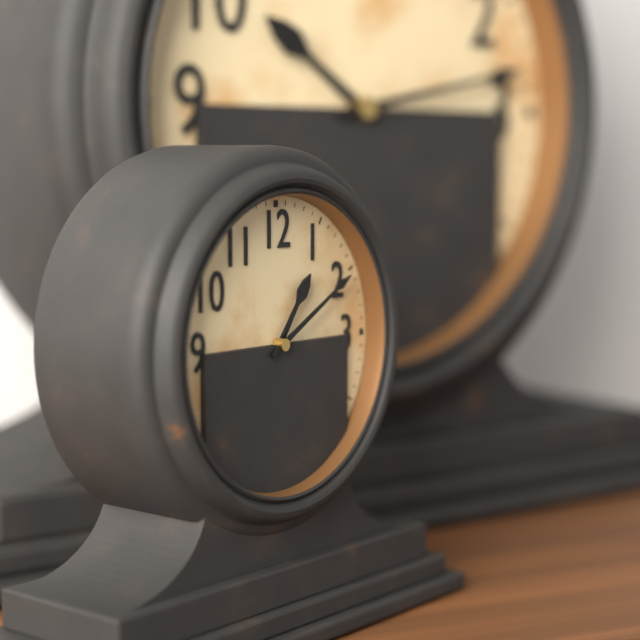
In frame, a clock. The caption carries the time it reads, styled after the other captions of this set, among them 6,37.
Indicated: 1,10
